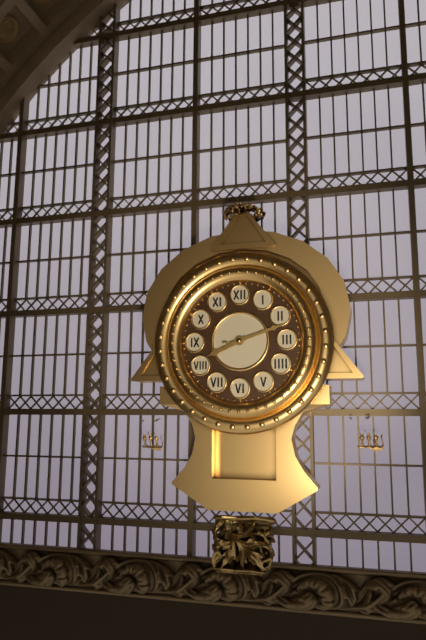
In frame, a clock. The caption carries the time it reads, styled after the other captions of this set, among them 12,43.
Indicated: 8,12
